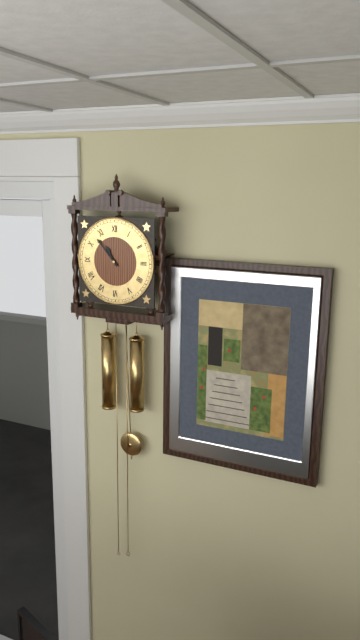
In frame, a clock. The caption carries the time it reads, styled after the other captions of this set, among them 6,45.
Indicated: 10,53
